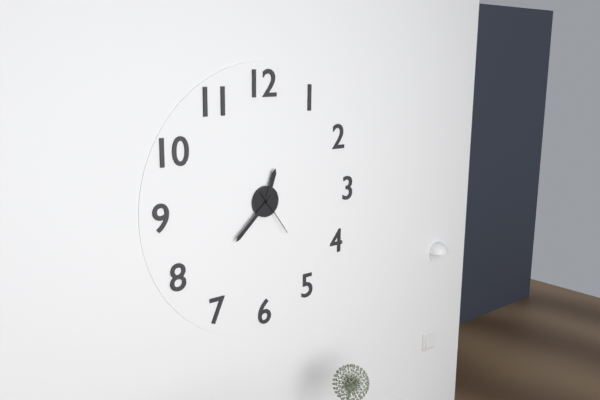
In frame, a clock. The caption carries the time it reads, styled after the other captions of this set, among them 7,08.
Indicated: 12,38
